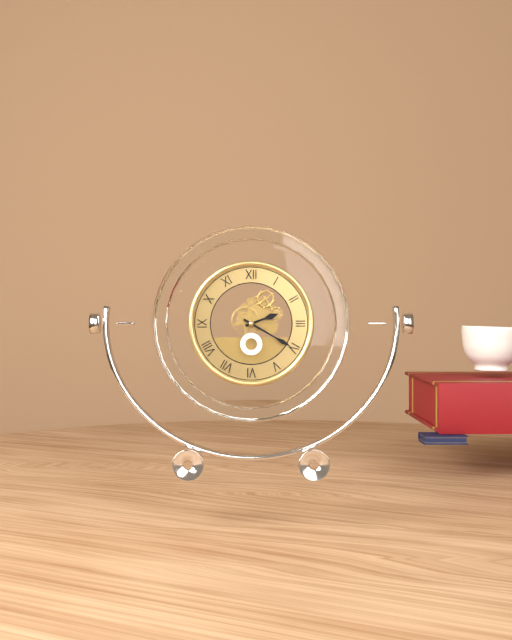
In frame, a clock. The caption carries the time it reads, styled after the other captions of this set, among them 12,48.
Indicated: 2,20
